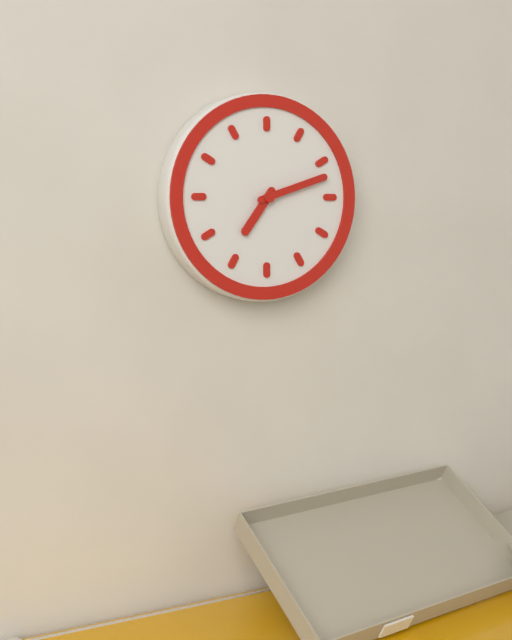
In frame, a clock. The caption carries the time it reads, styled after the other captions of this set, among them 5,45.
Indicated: 7,12
